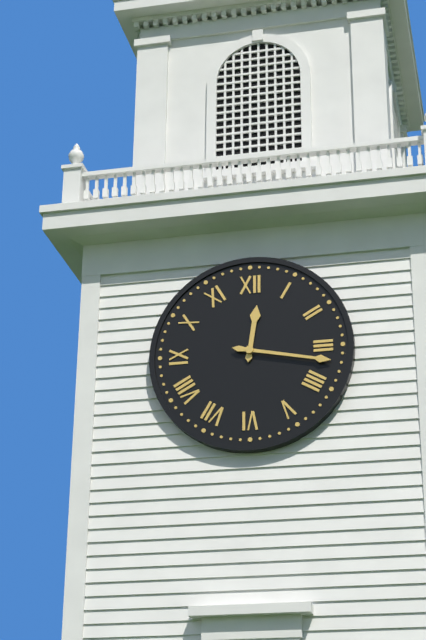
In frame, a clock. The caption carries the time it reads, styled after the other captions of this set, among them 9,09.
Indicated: 12,17
